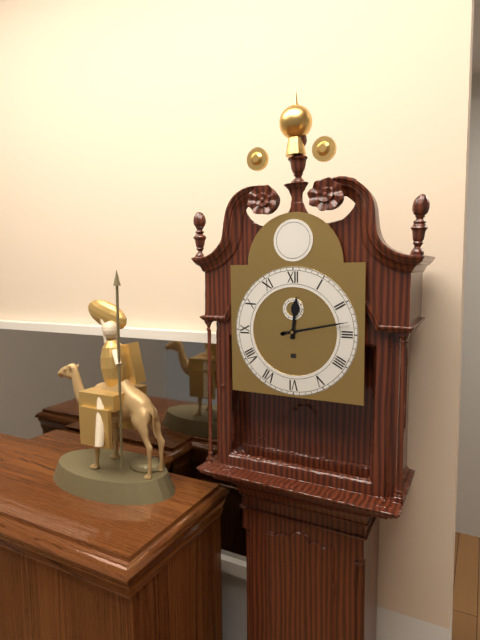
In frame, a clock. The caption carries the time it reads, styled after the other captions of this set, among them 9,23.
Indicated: 12,13
